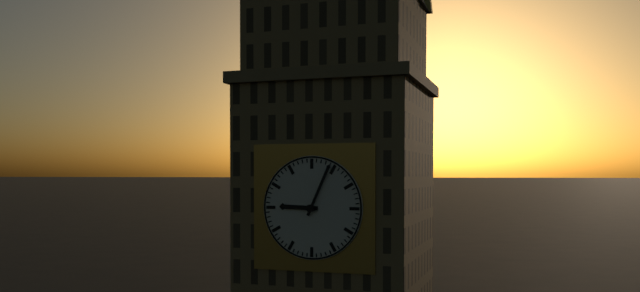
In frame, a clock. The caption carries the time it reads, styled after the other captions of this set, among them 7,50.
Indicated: 9,04
